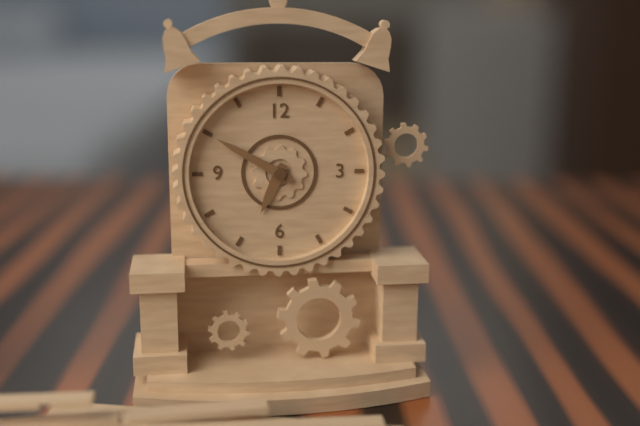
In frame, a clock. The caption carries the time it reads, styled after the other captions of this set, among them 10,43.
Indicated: 6,50
